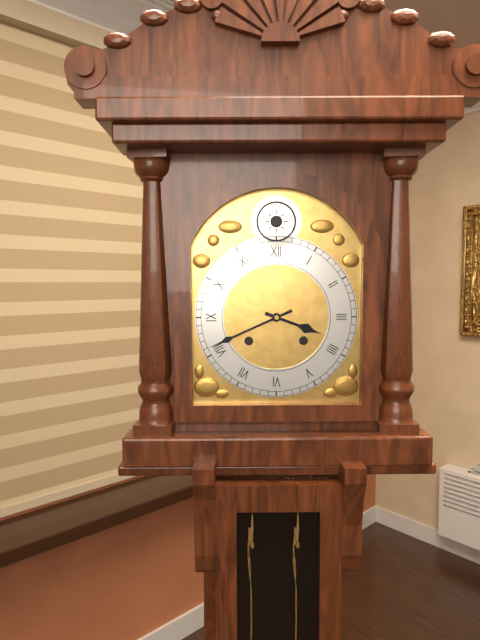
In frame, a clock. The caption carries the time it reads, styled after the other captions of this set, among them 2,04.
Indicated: 3,41
